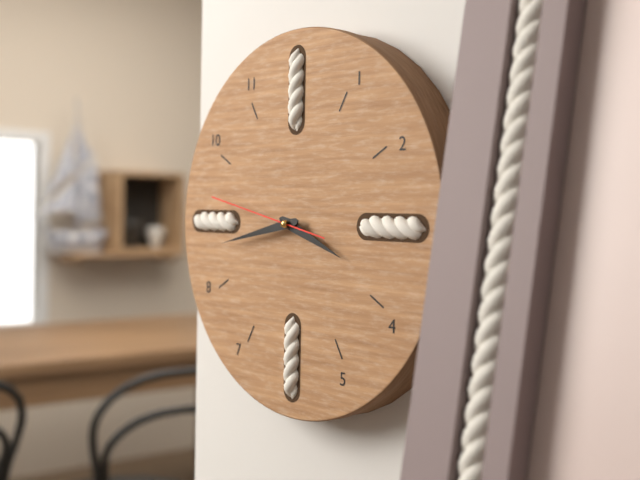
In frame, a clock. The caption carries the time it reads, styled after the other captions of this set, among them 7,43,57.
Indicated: 3,43,47
